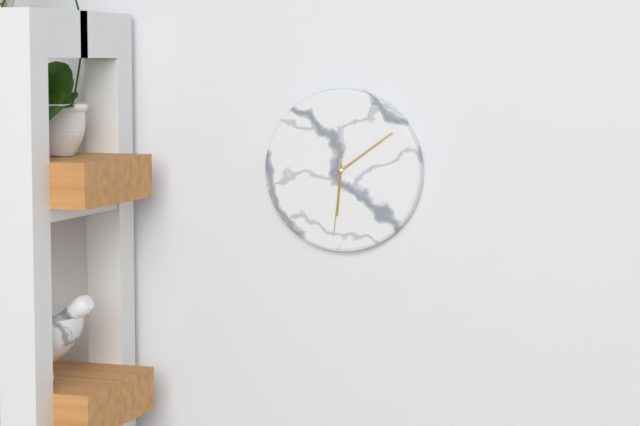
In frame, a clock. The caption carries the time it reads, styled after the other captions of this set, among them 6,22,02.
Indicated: 6,09,31
